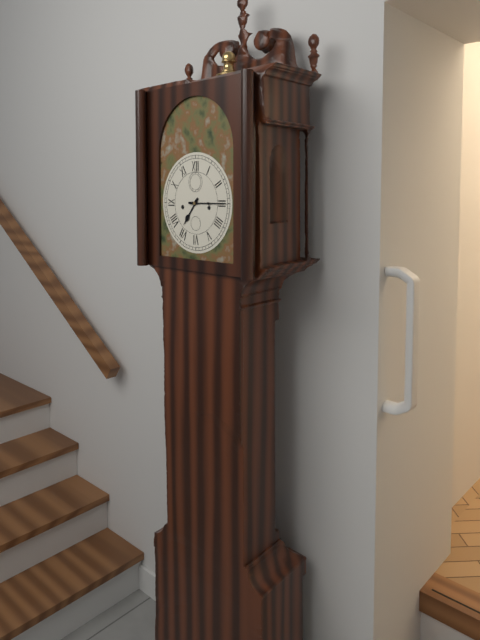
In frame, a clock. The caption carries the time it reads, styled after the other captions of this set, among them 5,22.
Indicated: 7,15
